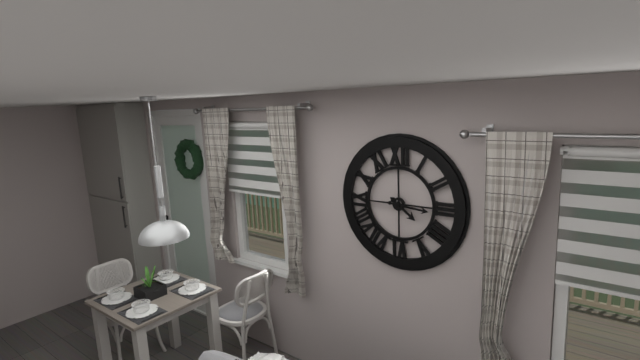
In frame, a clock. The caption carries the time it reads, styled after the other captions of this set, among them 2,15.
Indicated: 4,16
